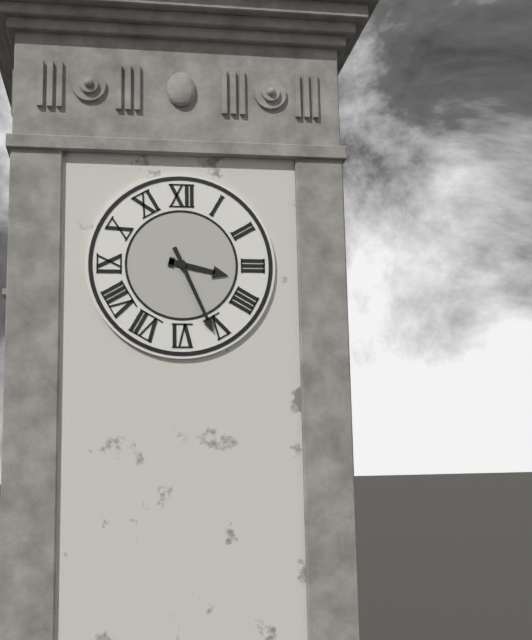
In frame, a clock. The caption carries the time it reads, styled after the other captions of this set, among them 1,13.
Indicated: 3,26
